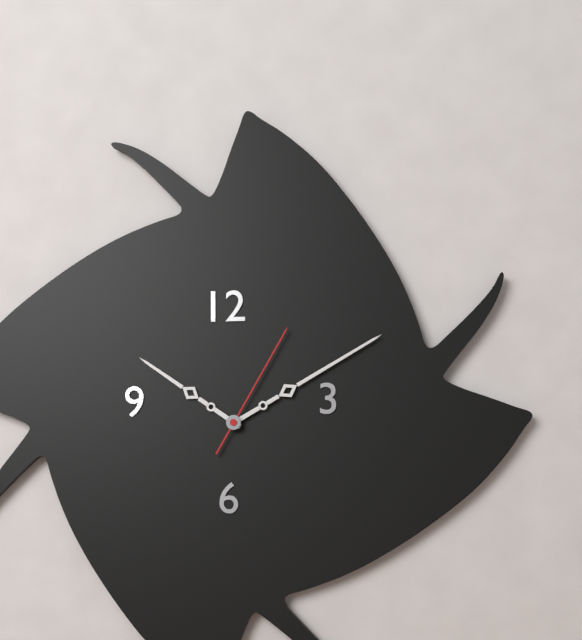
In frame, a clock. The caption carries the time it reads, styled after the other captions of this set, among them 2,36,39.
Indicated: 10,10,05
